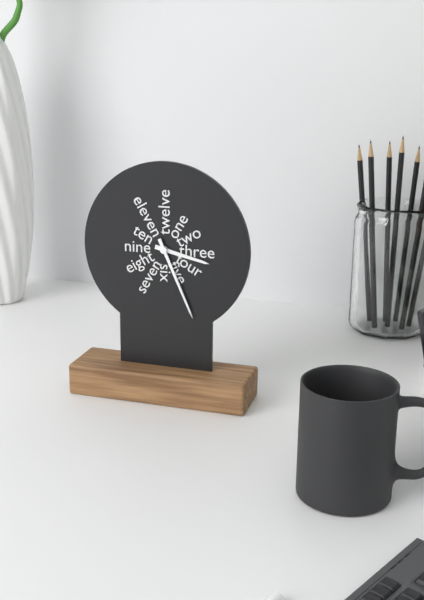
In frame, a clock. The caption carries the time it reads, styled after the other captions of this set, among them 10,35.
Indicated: 3,26
